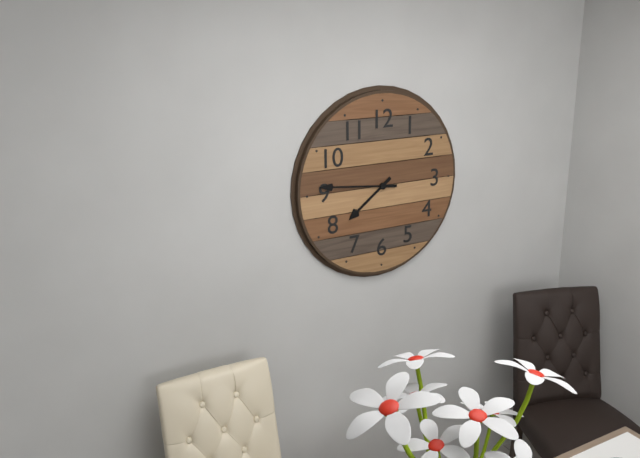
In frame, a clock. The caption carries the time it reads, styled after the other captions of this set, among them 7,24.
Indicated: 7,46
